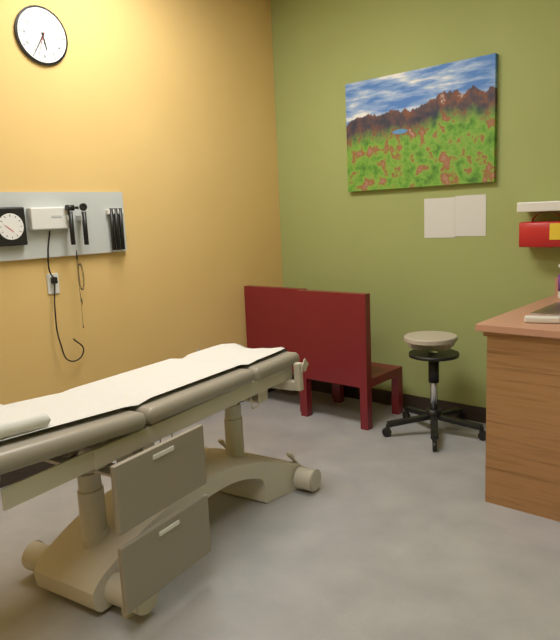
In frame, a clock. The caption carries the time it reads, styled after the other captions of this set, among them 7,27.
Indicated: 5,35
